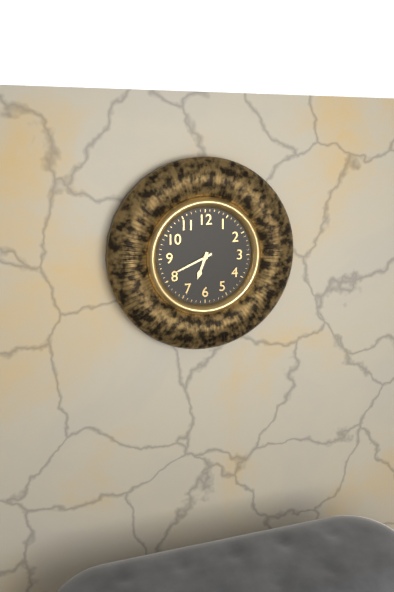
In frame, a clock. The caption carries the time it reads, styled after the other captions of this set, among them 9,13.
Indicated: 6,41
